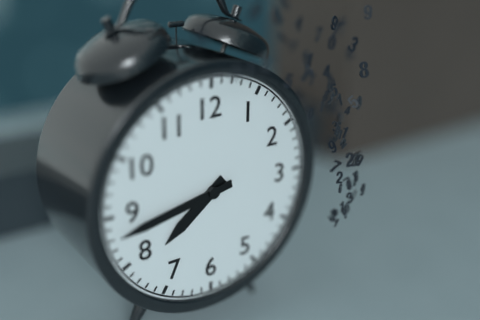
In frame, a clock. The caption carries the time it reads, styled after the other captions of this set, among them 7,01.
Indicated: 7,43
